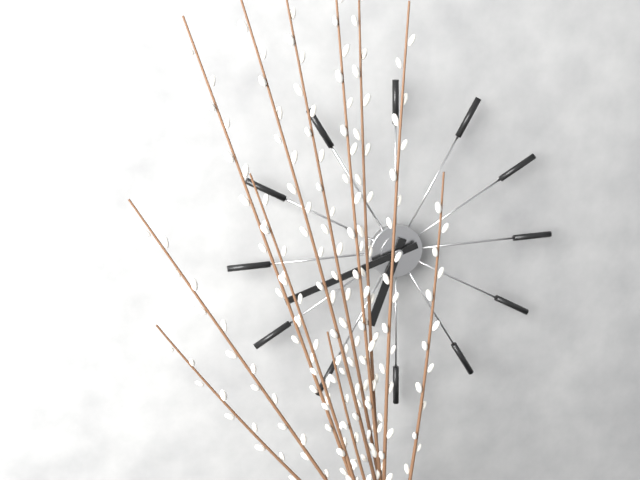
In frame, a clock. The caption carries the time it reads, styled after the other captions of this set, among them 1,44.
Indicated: 6,42
